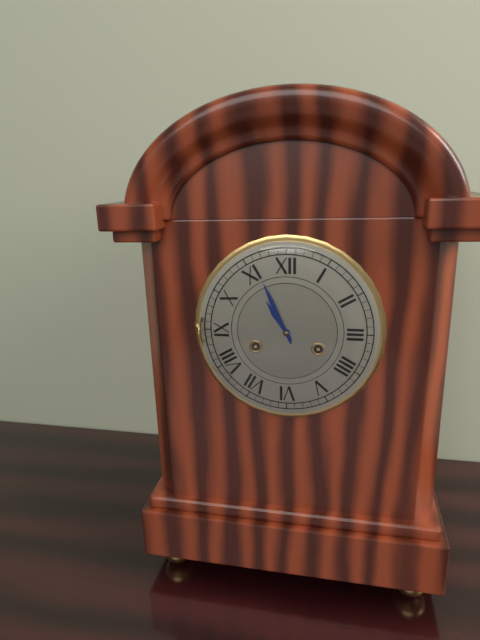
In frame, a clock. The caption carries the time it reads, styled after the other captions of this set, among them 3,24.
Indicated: 10,56
